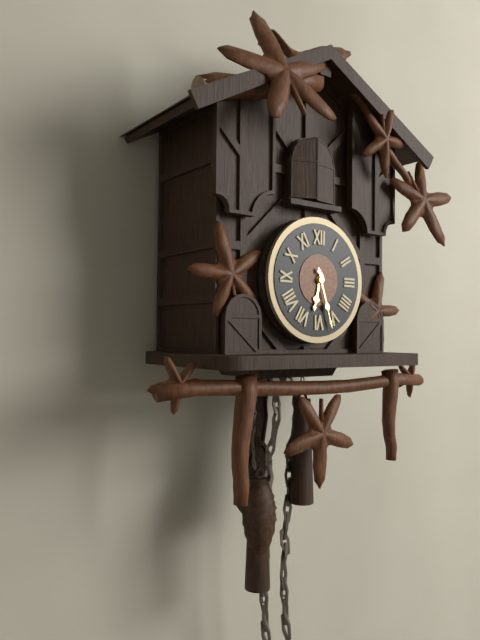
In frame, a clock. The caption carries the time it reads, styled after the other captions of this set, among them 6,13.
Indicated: 6,27
